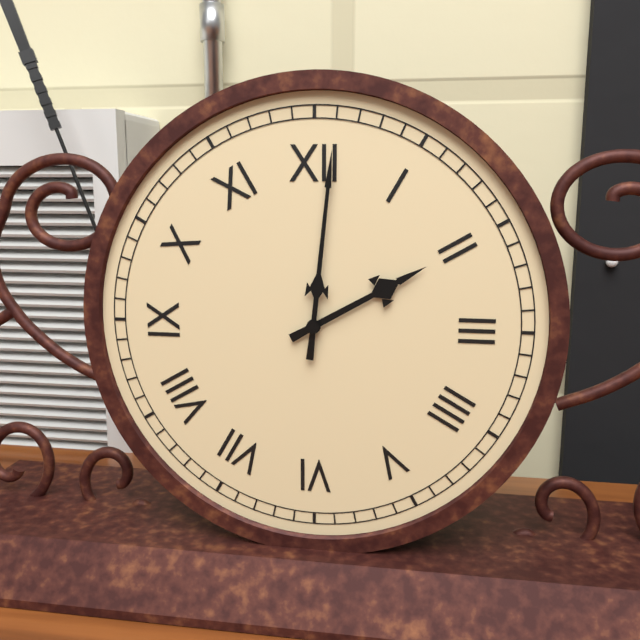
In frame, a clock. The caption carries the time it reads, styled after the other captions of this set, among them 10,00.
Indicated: 2,01
